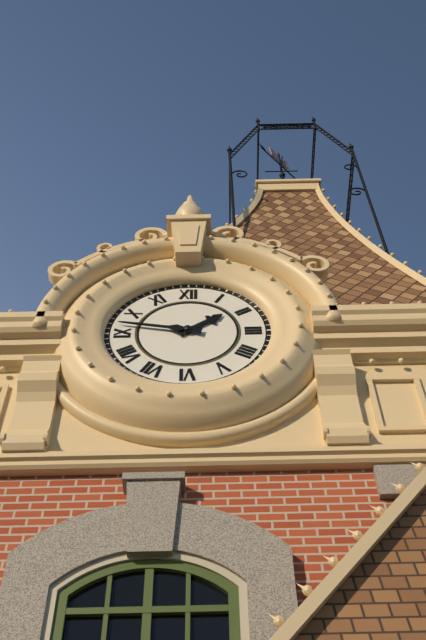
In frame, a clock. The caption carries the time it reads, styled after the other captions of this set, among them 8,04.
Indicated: 1,47
